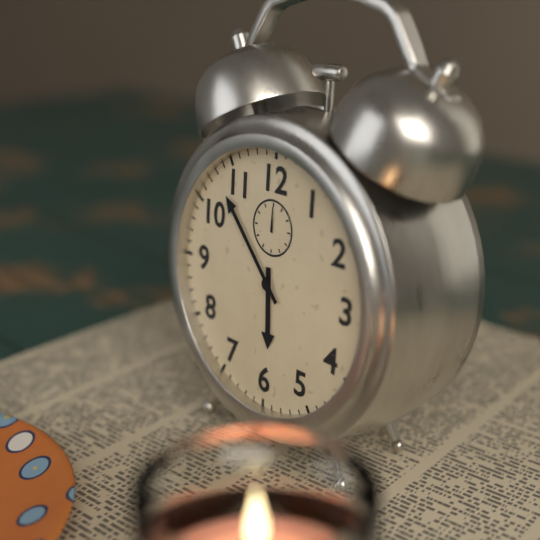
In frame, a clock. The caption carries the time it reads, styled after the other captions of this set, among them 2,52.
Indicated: 5,53
